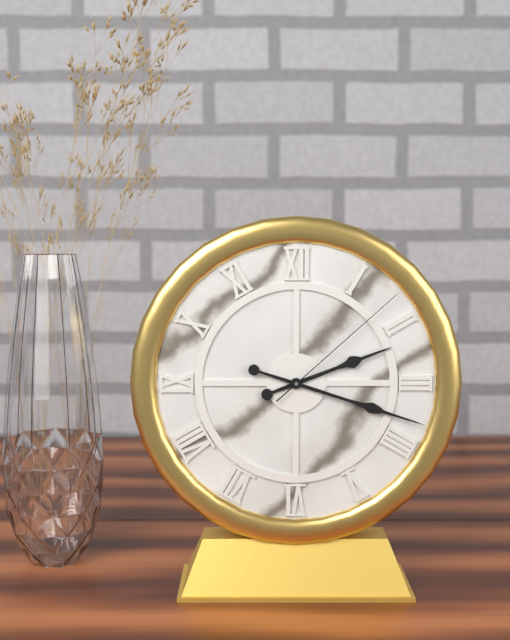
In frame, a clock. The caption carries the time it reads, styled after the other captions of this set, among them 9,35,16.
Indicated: 2,18,08
